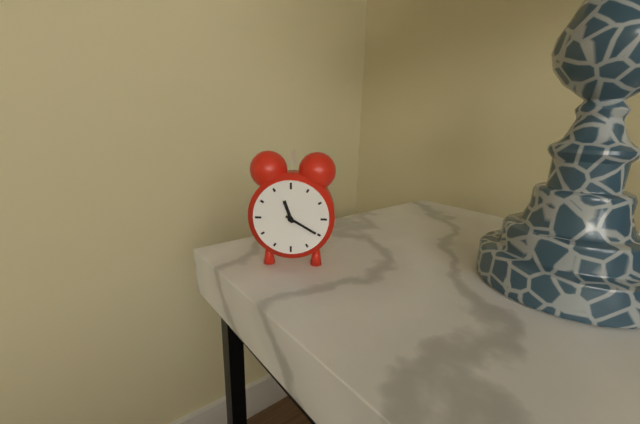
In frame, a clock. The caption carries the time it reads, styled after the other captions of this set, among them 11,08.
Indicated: 11,20
